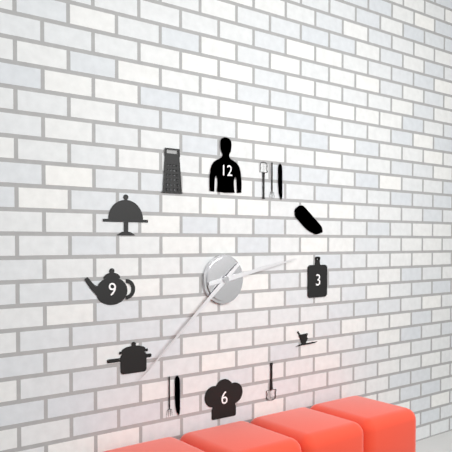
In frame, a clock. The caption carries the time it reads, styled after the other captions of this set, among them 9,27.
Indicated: 2,38
